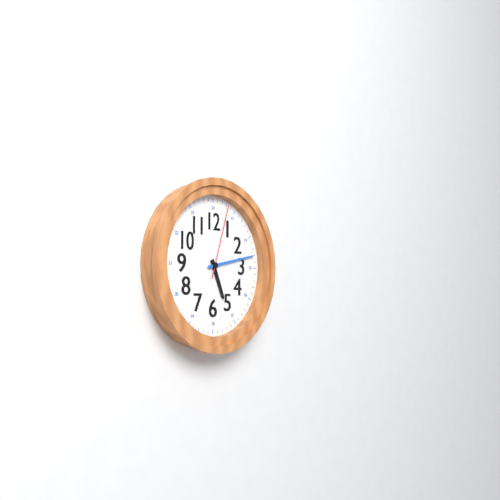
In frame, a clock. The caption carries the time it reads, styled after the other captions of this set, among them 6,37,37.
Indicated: 5,13,03
